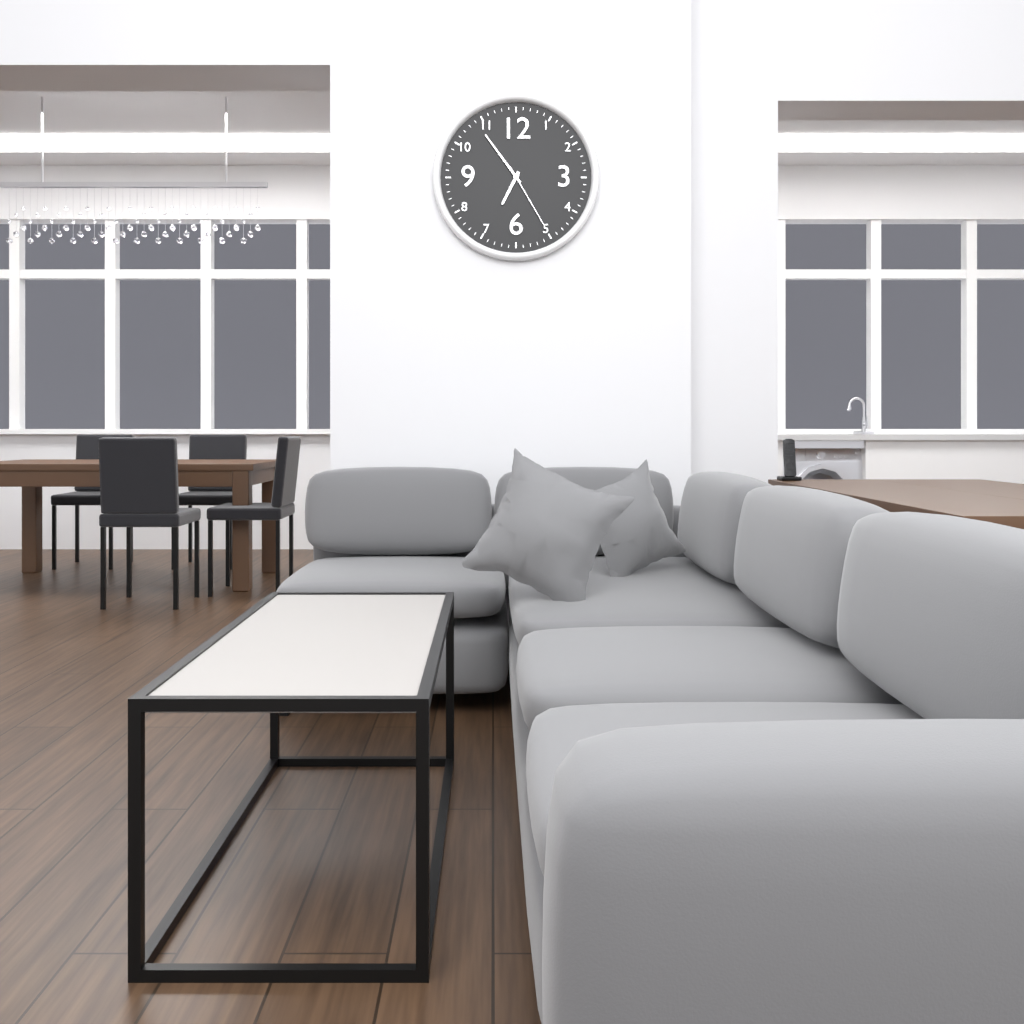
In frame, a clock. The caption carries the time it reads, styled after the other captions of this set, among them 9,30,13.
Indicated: 6,54,25
